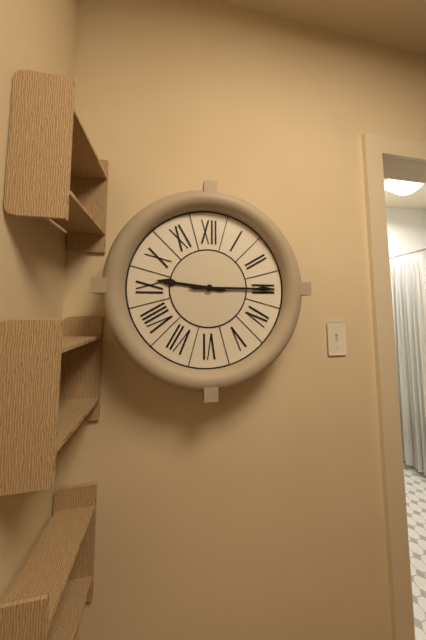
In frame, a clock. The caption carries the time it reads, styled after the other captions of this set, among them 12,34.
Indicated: 9,15
